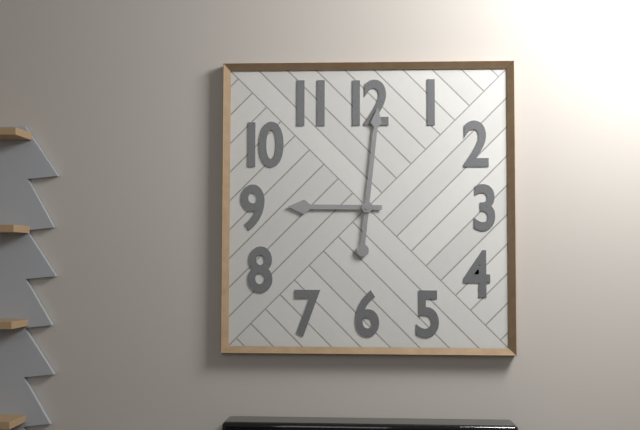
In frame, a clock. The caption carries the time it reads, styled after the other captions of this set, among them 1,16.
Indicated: 9,01
